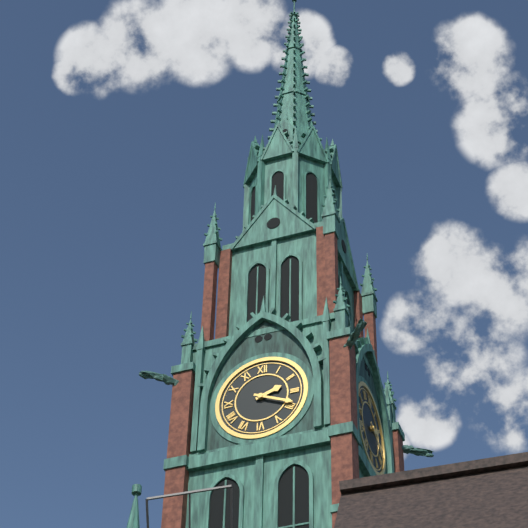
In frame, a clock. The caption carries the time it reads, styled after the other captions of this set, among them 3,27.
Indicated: 2,19
